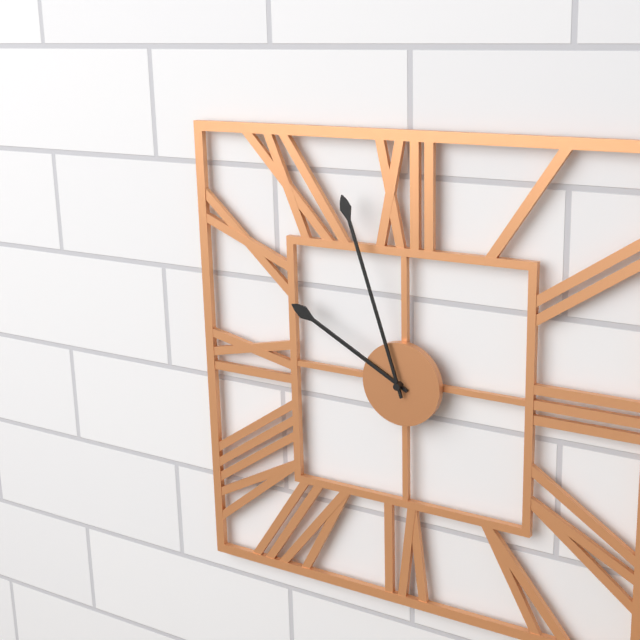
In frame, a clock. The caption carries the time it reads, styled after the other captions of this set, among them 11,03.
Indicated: 9,57
